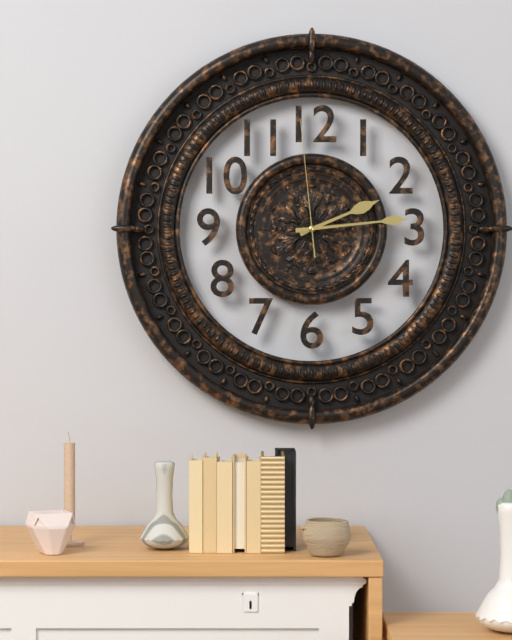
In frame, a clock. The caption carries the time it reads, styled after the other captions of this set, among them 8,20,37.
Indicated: 2,14,59
